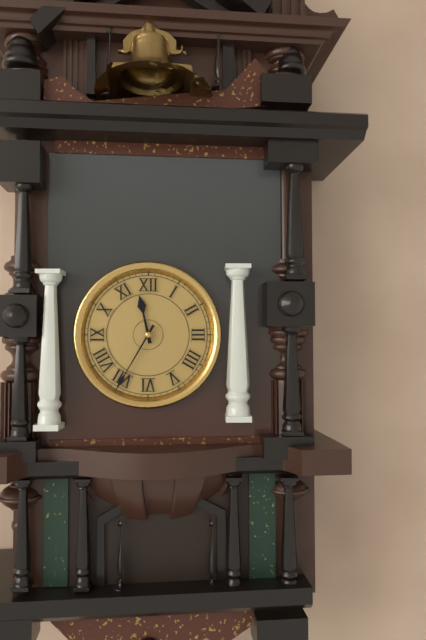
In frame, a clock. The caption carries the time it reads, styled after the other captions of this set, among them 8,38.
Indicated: 11,35
